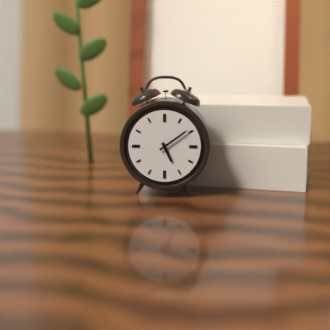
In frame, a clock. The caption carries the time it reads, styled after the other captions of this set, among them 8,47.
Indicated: 5,09
